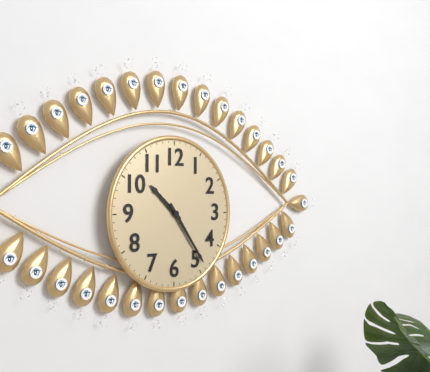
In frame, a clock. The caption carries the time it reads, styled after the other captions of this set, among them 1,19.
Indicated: 10,24
